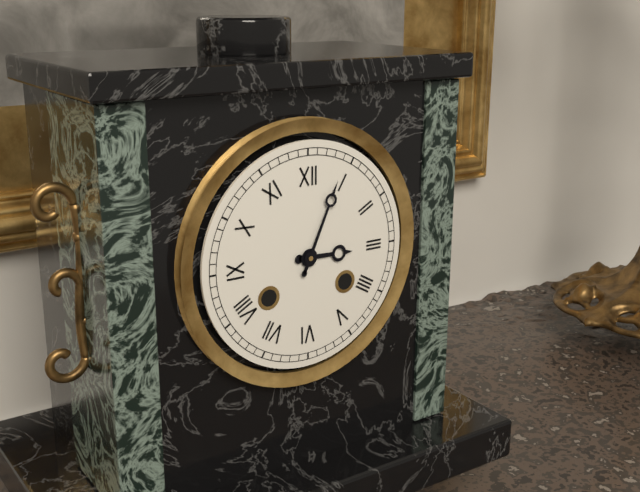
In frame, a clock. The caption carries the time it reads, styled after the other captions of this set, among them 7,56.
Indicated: 3,04
